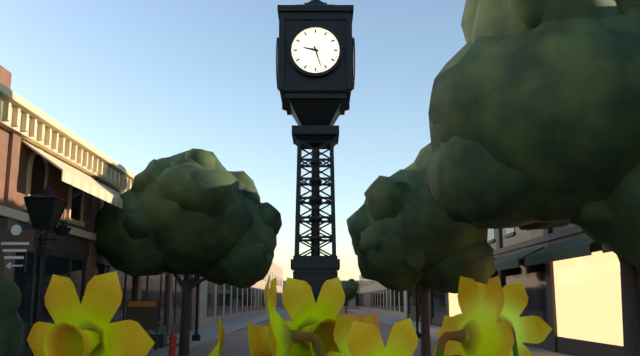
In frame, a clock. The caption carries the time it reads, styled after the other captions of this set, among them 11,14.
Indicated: 9,27
